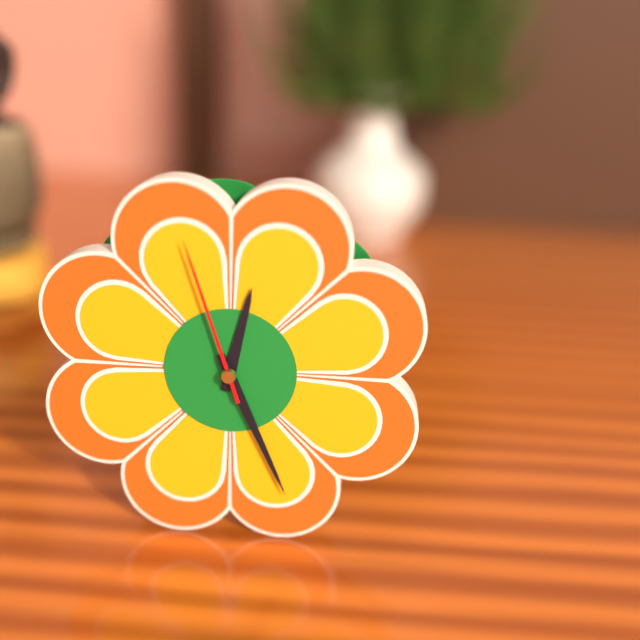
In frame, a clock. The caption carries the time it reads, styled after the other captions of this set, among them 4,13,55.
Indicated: 12,26,57
